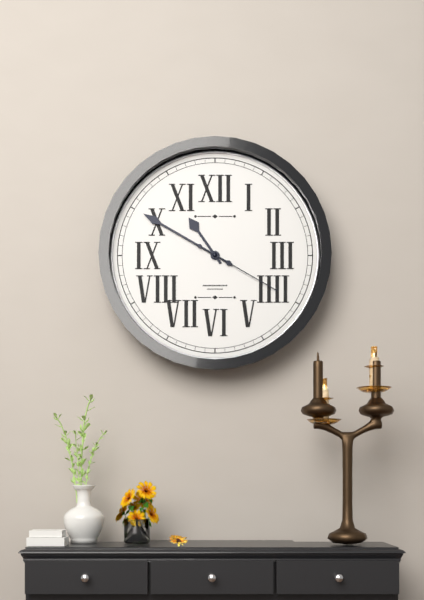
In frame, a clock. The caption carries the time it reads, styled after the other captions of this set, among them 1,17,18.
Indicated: 10,50,20
